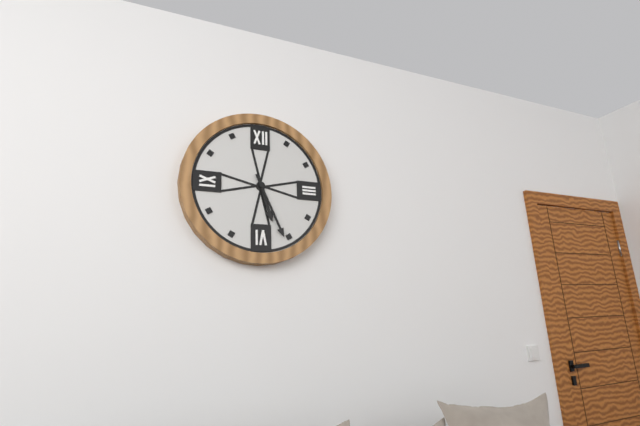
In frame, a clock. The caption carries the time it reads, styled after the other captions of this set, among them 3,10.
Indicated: 5,26
